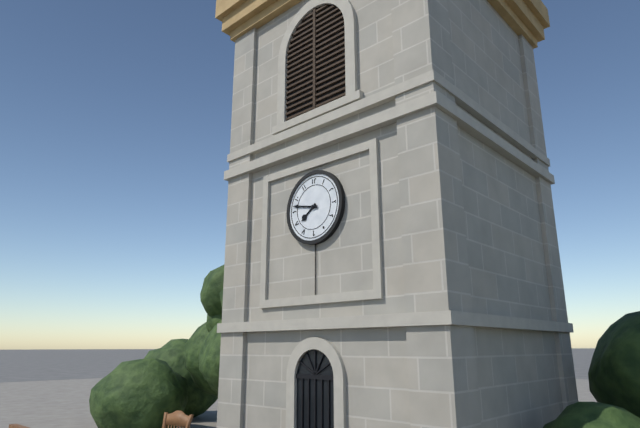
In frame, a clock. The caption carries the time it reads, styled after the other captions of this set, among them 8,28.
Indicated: 7,47
